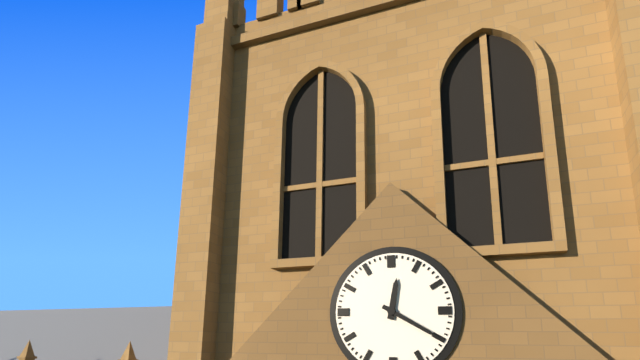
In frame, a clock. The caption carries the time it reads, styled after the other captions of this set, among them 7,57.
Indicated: 12,20
